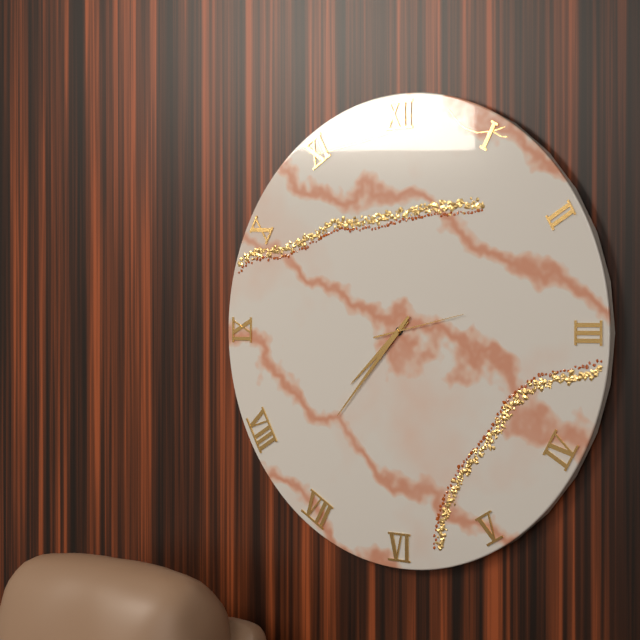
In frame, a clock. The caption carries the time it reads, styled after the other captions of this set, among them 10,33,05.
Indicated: 7,37,13
